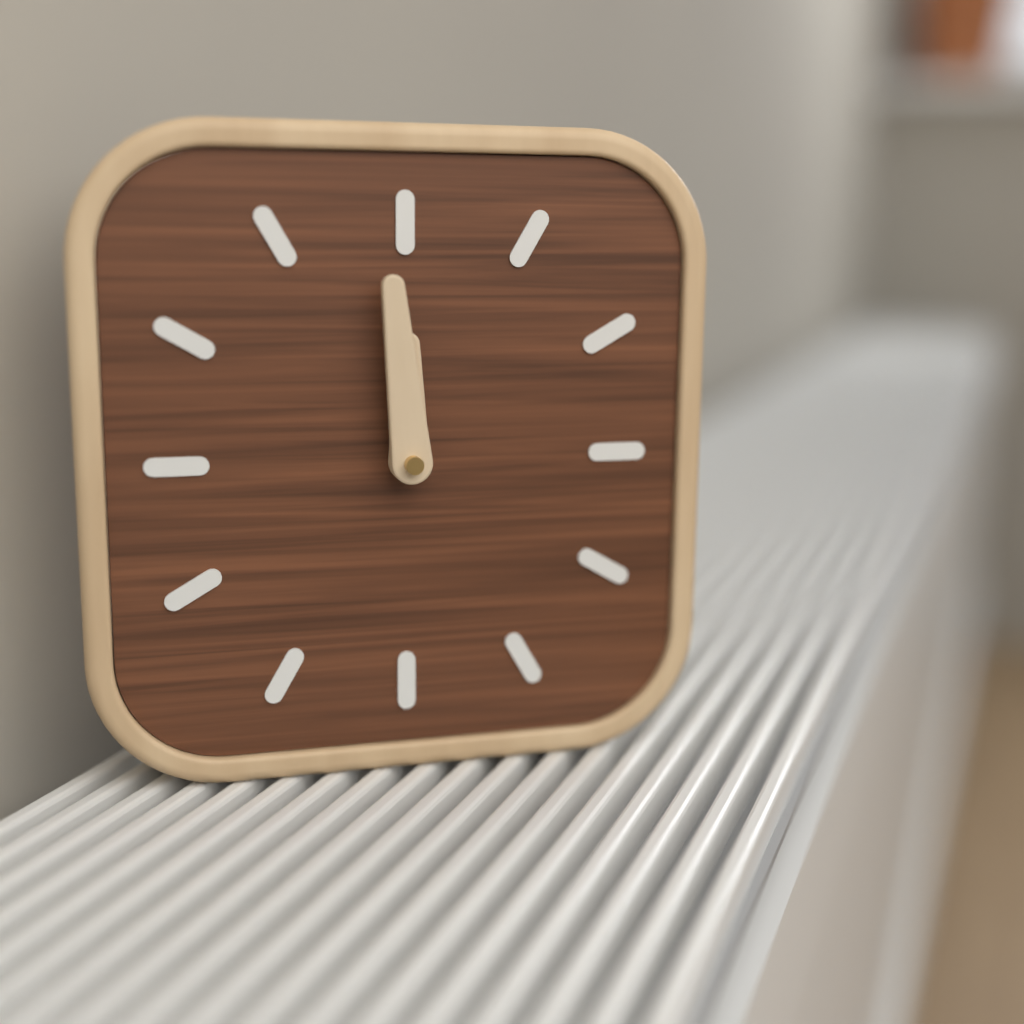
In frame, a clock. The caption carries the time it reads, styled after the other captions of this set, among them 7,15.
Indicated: 11,59
